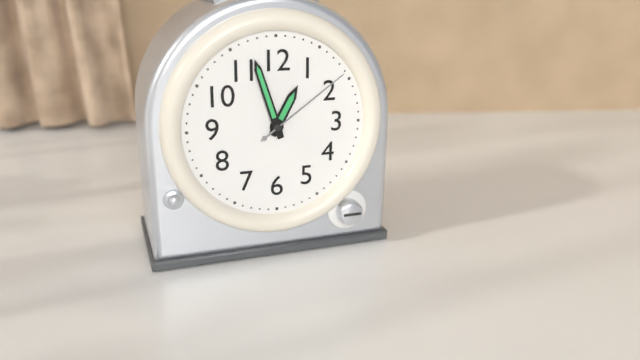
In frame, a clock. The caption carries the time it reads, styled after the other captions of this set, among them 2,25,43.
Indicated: 12,57,09
